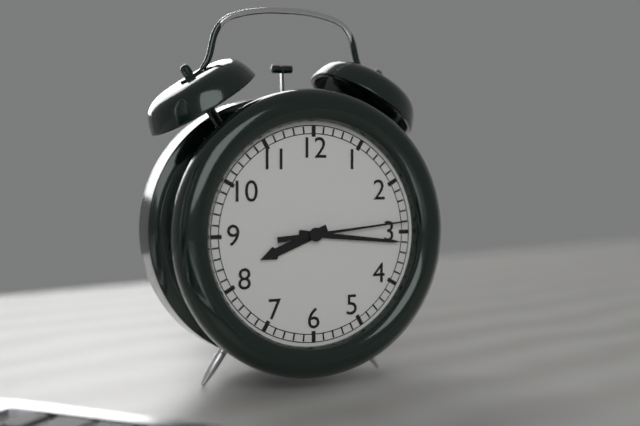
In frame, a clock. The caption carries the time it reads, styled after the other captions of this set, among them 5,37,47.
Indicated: 8,16,14
